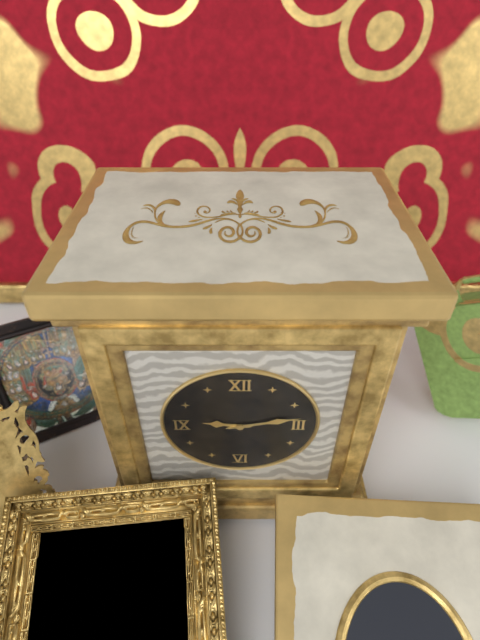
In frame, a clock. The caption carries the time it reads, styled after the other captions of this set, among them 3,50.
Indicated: 9,13
